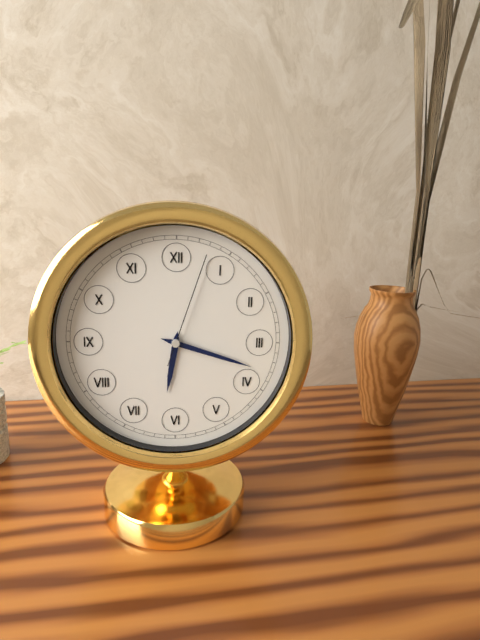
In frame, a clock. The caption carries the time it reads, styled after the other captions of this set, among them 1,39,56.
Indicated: 6,18,03
